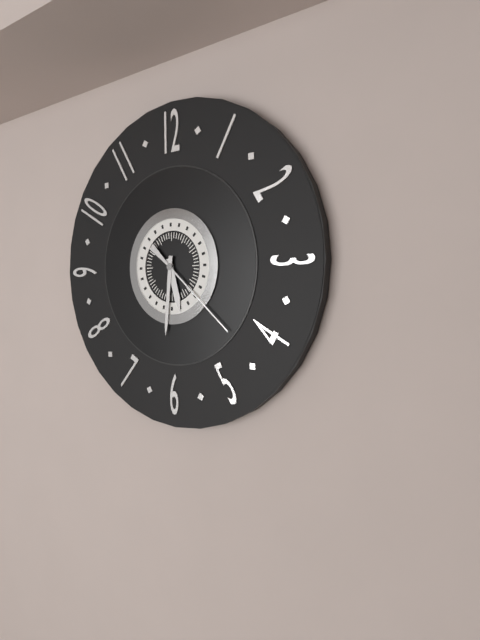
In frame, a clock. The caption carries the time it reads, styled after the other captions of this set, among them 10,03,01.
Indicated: 5,31,22
